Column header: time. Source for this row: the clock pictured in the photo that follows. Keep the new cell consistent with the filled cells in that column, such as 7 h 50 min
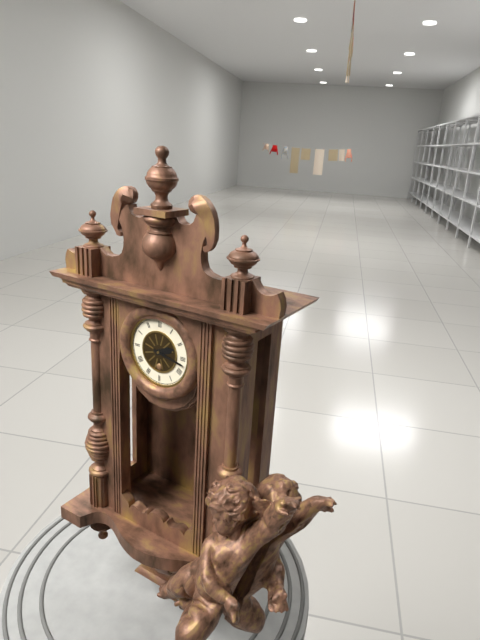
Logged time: 2 h 17 min
